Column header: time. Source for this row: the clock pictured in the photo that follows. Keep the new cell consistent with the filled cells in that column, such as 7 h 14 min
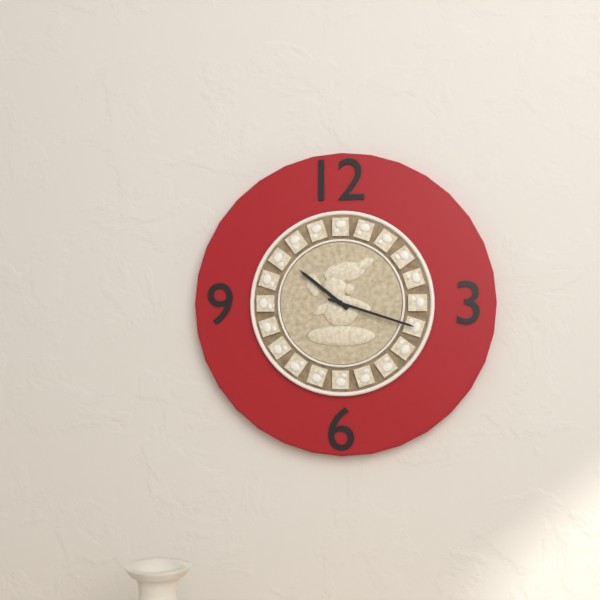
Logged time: 10 h 18 min
